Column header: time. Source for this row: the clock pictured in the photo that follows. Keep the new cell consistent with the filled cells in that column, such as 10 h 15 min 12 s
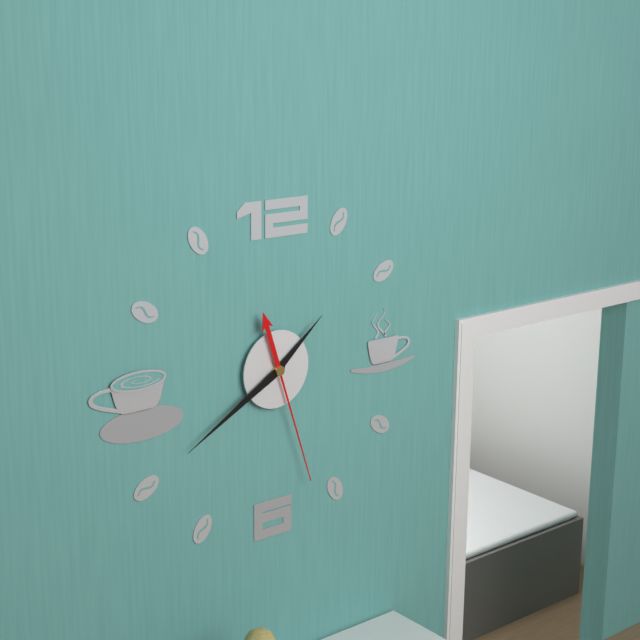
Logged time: 1 h 40 min 27 s
